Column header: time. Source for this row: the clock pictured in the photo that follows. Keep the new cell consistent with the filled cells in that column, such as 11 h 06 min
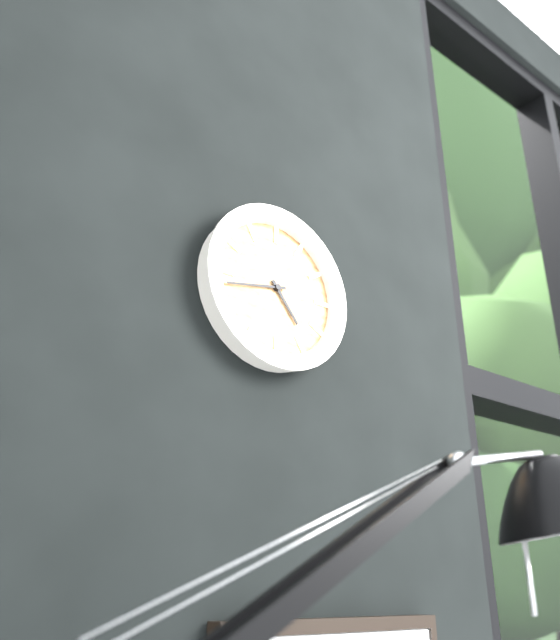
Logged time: 4 h 43 min
